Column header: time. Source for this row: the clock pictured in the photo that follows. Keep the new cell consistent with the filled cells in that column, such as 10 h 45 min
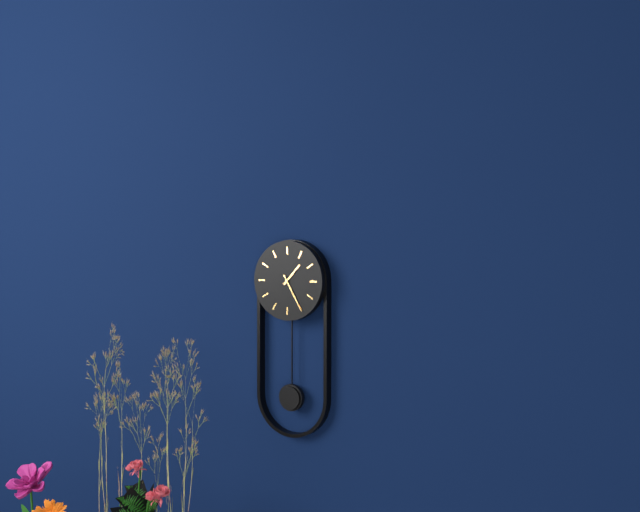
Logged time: 1 h 25 min
